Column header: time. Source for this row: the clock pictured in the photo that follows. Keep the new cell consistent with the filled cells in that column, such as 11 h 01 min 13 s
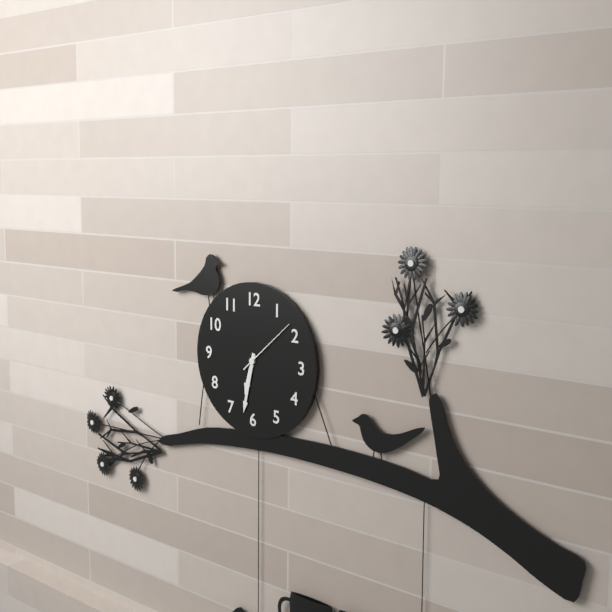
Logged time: 6 h 32 min 08 s
